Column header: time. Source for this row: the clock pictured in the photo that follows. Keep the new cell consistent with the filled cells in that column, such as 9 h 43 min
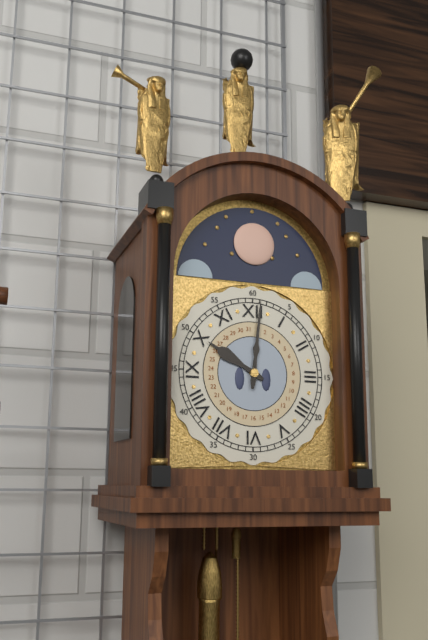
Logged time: 10 h 01 min
